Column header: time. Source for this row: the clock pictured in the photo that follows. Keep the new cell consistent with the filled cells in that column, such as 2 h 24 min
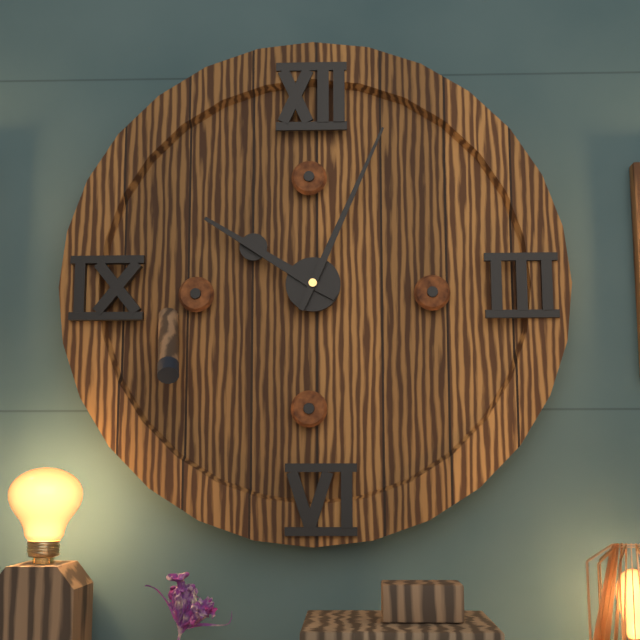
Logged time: 10 h 04 min
